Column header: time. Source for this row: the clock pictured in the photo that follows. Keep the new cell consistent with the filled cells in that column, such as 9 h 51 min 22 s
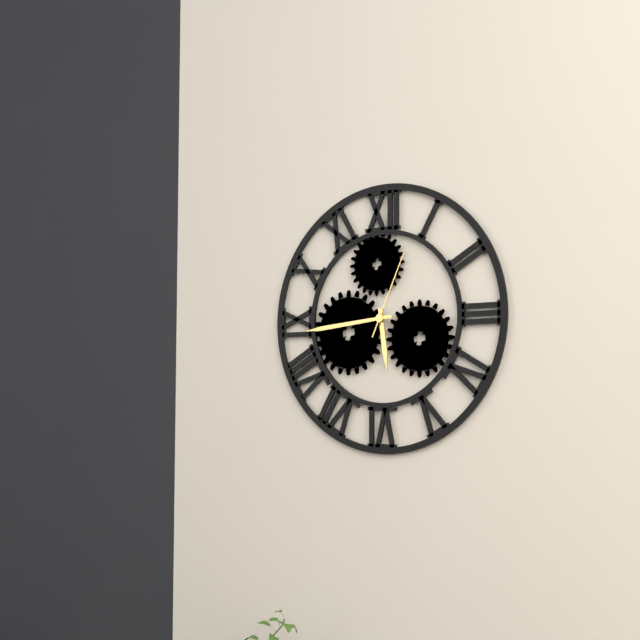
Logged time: 5 h 44 min 04 s
